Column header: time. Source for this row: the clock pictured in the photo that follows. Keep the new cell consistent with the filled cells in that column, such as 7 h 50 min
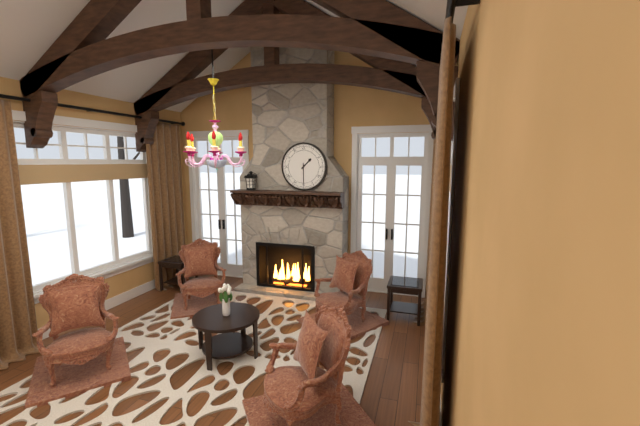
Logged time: 1 h 30 min
